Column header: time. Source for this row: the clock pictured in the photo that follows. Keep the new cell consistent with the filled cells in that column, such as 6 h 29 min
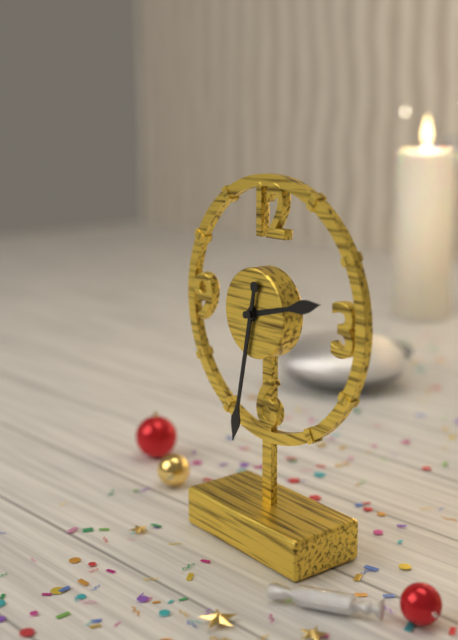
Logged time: 2 h 32 min
